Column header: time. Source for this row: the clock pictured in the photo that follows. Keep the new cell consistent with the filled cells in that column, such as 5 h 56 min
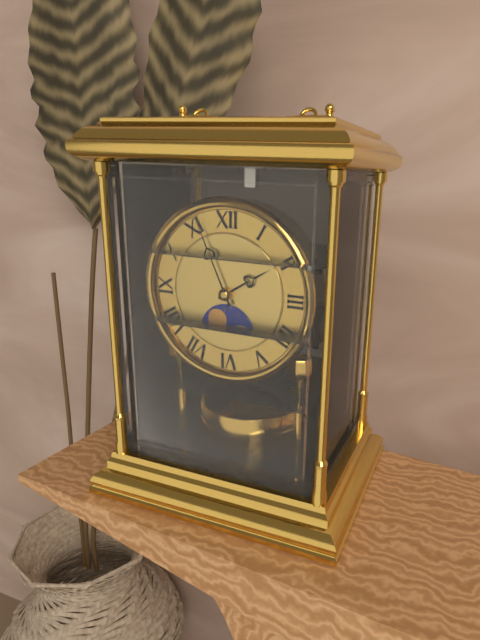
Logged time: 1 h 56 min
